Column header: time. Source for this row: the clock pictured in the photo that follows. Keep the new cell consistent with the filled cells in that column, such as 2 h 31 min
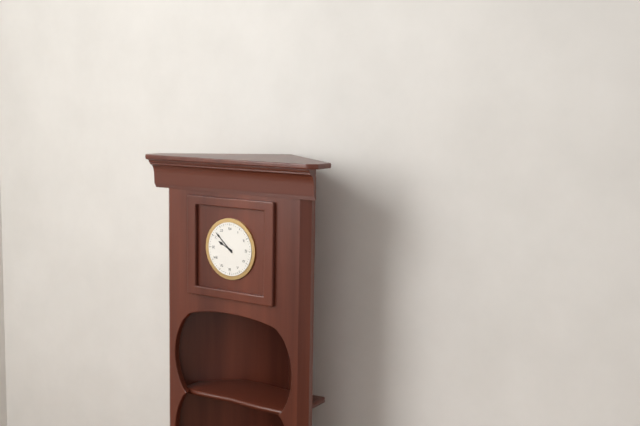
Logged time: 9 h 52 min
